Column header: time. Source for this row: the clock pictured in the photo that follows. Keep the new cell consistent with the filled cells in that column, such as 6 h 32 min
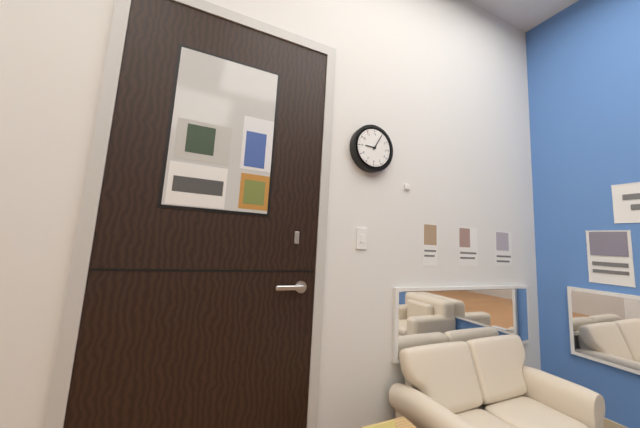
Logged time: 9 h 05 min
